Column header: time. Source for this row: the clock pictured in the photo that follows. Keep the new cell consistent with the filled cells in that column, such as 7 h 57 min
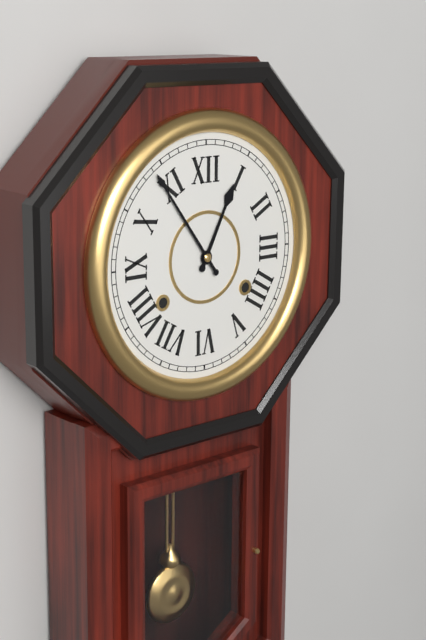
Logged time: 12 h 54 min
